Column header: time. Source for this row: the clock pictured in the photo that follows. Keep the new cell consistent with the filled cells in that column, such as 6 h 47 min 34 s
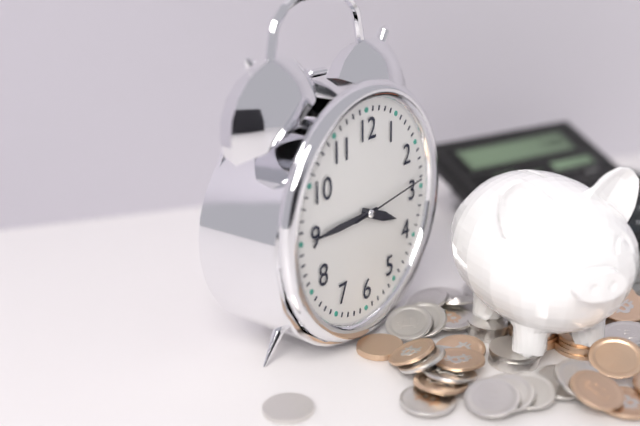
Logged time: 3 h 45 min 14 s
